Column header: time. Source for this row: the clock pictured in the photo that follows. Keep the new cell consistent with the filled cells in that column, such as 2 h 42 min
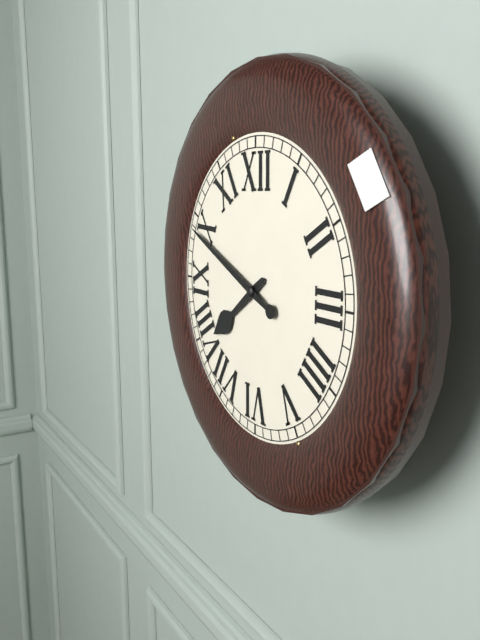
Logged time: 7 h 49 min
